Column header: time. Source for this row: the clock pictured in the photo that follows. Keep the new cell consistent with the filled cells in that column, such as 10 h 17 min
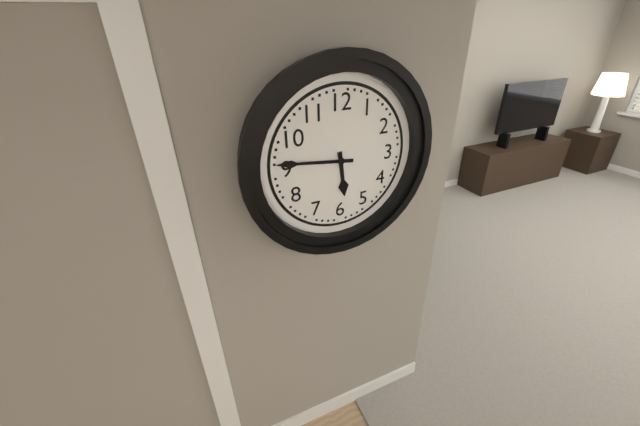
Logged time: 5 h 46 min
